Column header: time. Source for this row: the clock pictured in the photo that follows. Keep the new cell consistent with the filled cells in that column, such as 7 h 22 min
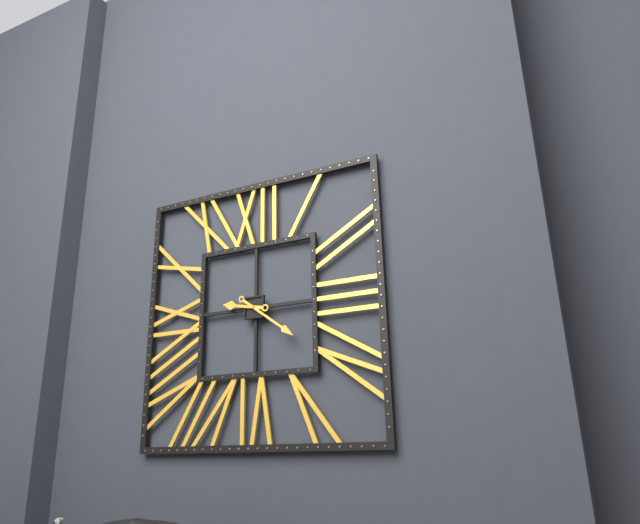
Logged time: 9 h 21 min
